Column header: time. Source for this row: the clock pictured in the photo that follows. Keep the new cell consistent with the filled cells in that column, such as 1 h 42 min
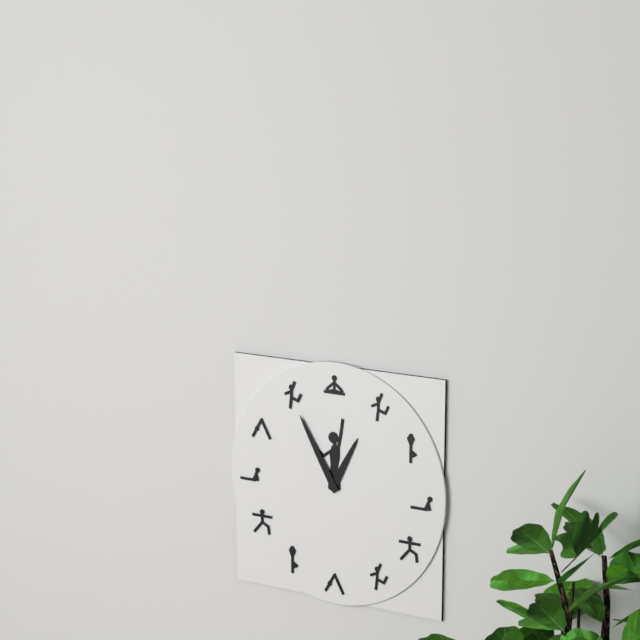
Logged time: 12 h 55 min
